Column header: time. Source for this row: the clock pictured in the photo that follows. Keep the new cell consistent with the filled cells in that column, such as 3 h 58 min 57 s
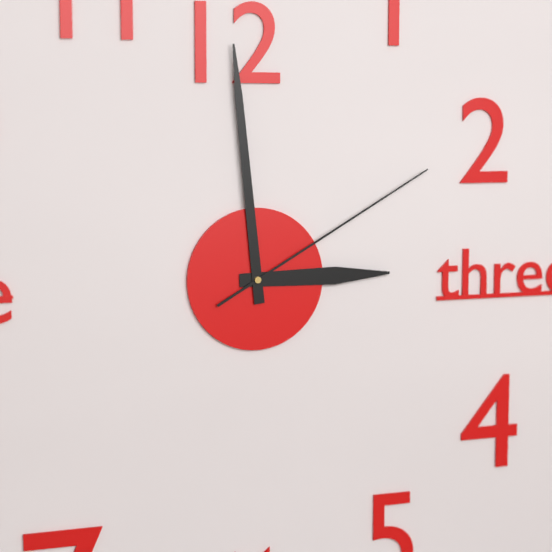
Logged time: 2 h 59 min 10 s
